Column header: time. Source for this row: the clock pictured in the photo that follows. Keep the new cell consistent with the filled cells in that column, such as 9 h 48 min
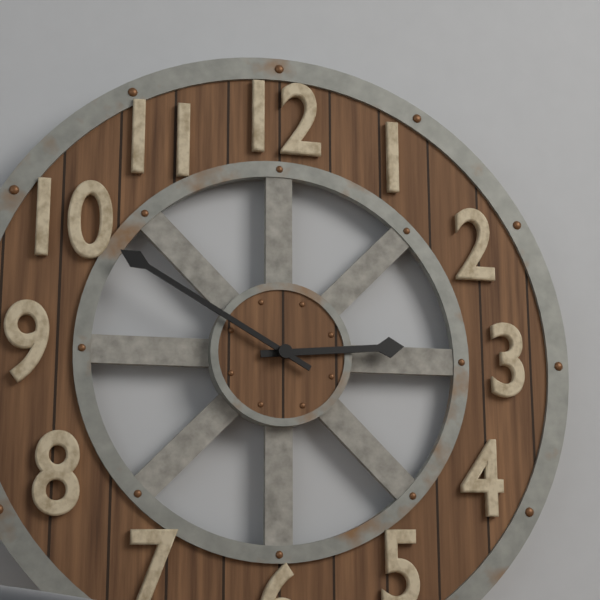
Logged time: 2 h 50 min
